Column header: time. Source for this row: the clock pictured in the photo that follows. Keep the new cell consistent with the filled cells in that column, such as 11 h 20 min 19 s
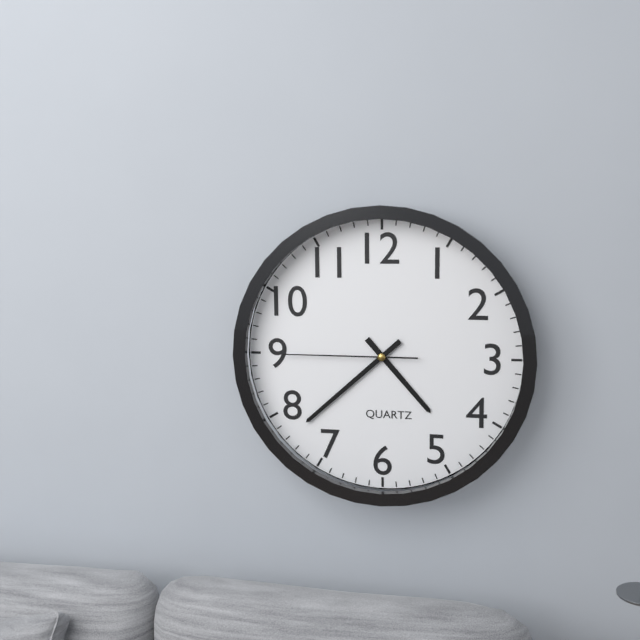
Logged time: 4 h 38 min 45 s
